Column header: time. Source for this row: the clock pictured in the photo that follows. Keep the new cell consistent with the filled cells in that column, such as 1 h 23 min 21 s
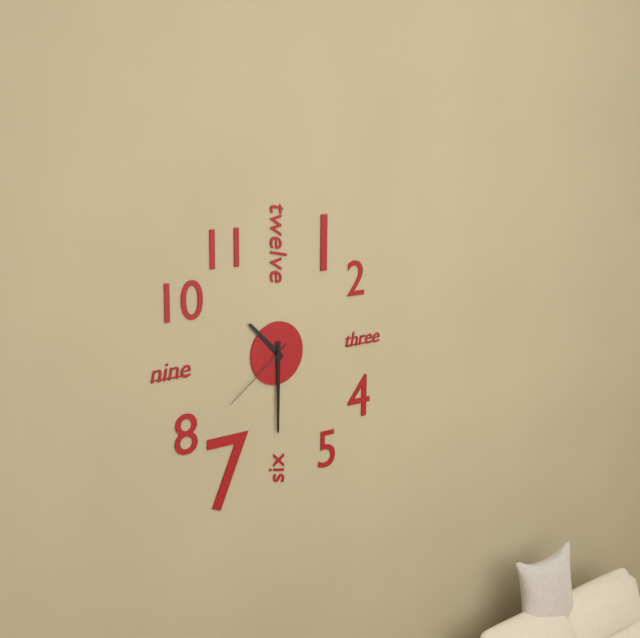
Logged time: 10 h 30 min 39 s
